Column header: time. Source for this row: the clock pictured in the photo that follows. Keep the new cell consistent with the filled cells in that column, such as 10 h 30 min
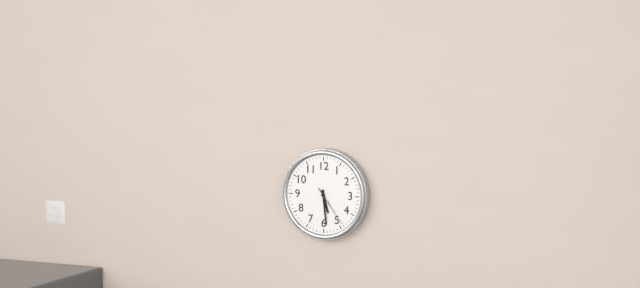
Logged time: 5 h 29 min
